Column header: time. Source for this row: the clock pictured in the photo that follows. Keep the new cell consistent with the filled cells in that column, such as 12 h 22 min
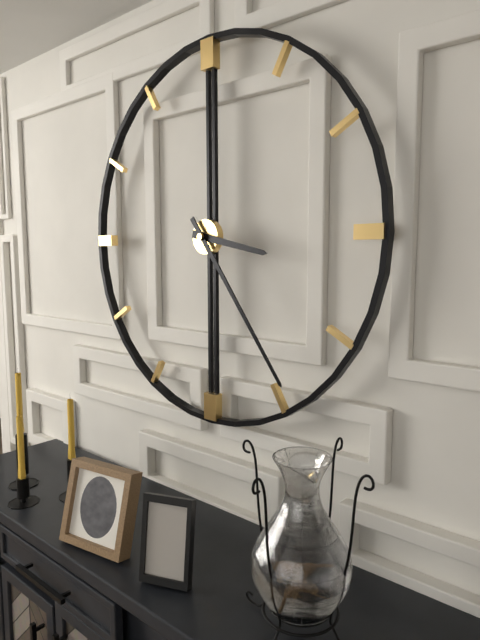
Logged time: 3 h 24 min
